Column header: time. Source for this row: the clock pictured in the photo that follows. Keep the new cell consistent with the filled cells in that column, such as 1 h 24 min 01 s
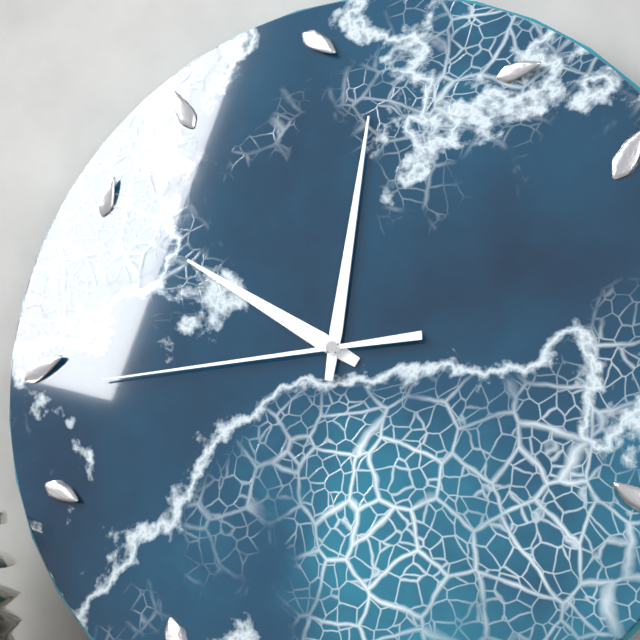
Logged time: 10 h 01 min 44 s
